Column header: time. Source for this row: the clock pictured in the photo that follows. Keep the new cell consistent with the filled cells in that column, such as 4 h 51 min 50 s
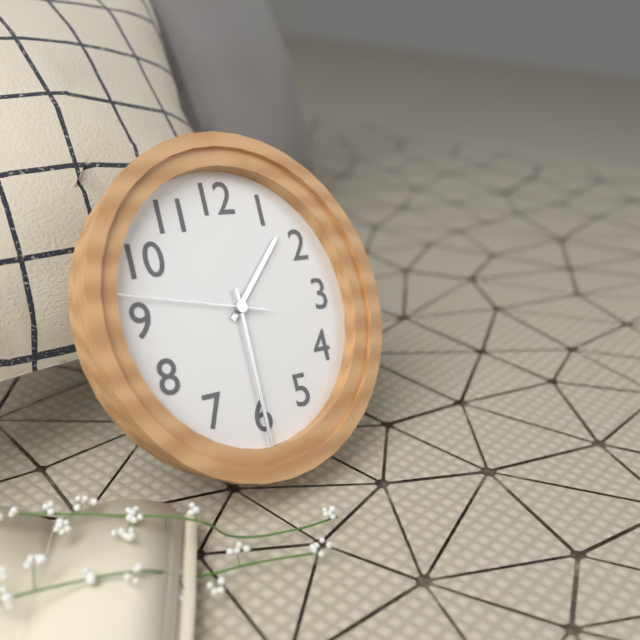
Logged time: 1 h 30 min 47 s
